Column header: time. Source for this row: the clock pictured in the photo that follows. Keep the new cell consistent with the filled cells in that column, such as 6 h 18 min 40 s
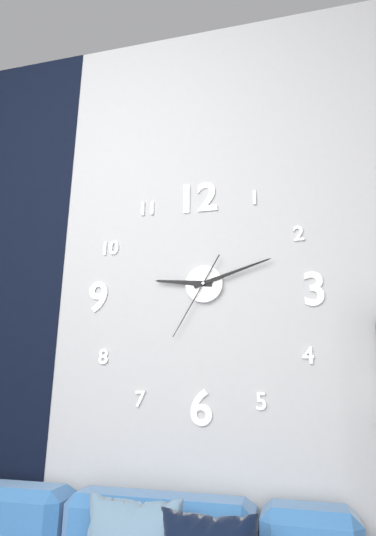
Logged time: 9 h 12 min 35 s
